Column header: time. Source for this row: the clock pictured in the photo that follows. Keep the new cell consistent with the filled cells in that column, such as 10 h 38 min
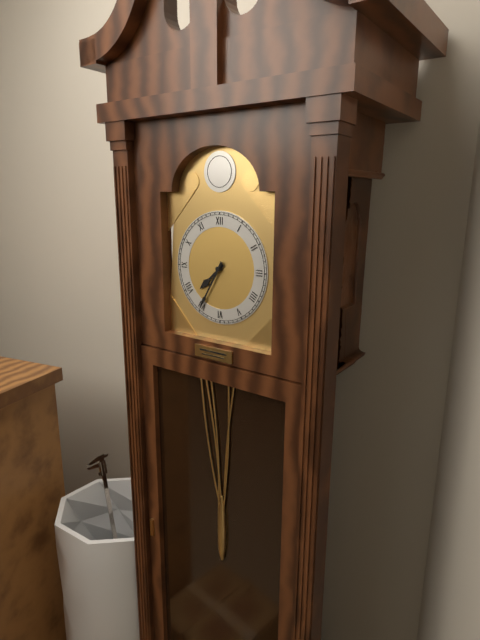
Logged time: 7 h 35 min
